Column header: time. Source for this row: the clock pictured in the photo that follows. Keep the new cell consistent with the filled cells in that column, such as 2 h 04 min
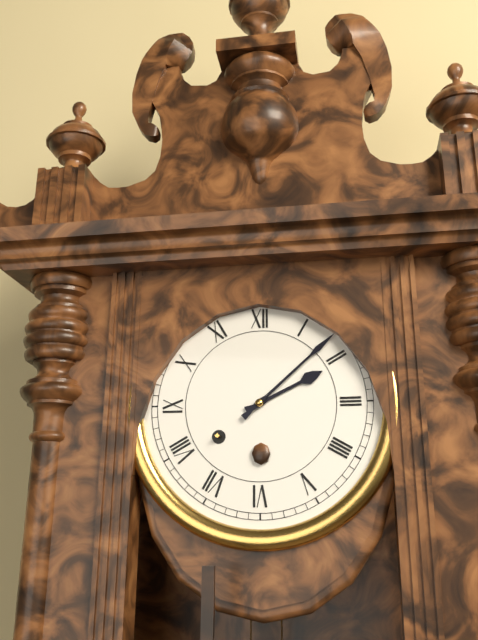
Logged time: 2 h 08 min
